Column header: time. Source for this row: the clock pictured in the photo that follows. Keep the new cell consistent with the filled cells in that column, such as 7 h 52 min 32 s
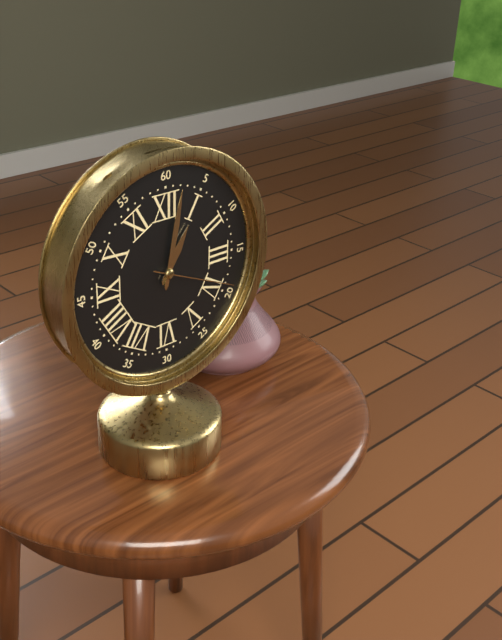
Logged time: 1 h 02 min 19 s
